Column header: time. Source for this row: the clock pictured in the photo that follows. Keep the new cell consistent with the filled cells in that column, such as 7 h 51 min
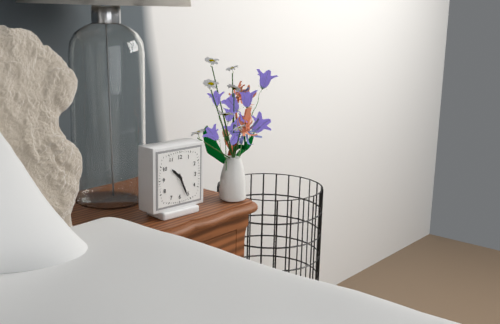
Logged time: 10 h 26 min
